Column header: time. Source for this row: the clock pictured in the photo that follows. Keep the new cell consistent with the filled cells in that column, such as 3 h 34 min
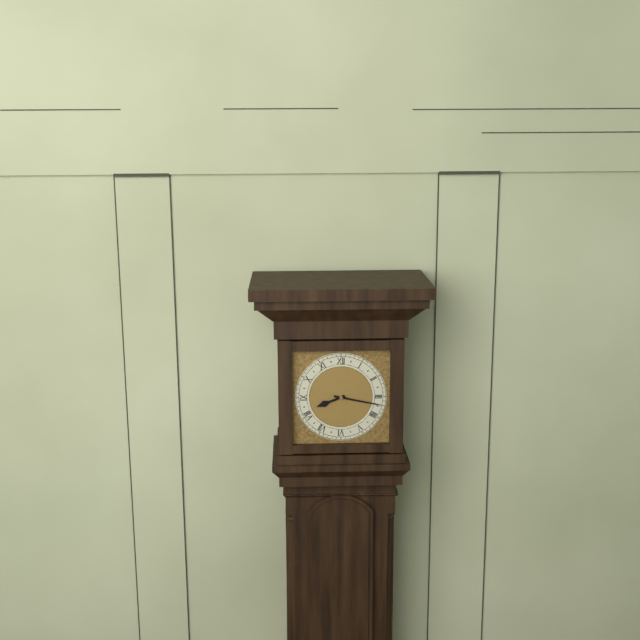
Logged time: 8 h 17 min
